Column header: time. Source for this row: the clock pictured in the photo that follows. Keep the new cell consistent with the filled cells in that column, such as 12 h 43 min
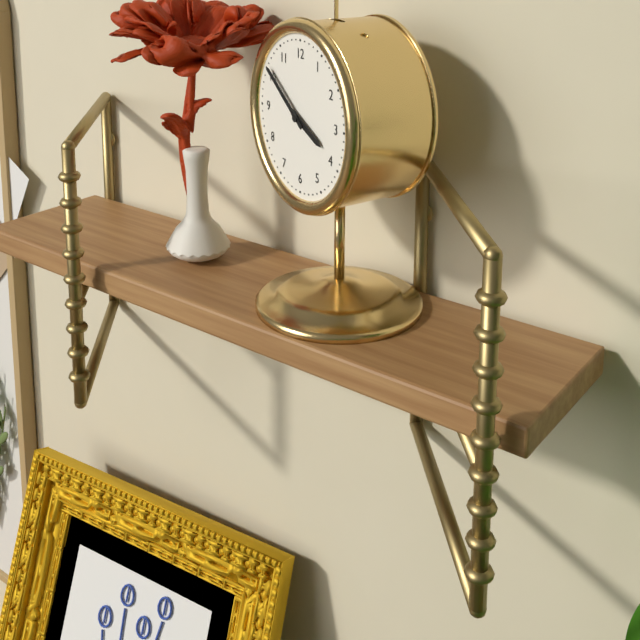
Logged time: 3 h 51 min
